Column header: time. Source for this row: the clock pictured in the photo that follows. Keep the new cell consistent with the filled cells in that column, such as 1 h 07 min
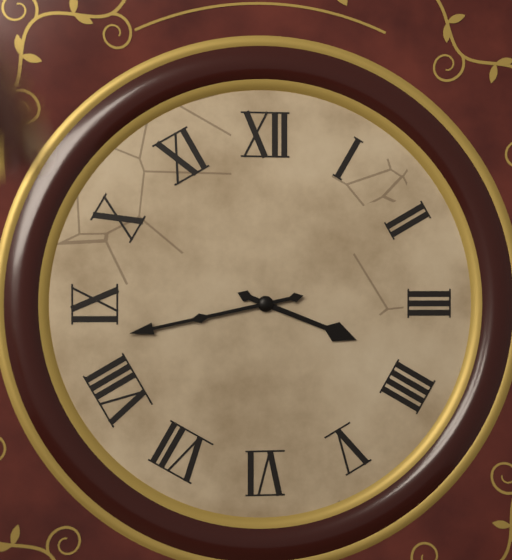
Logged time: 3 h 43 min
